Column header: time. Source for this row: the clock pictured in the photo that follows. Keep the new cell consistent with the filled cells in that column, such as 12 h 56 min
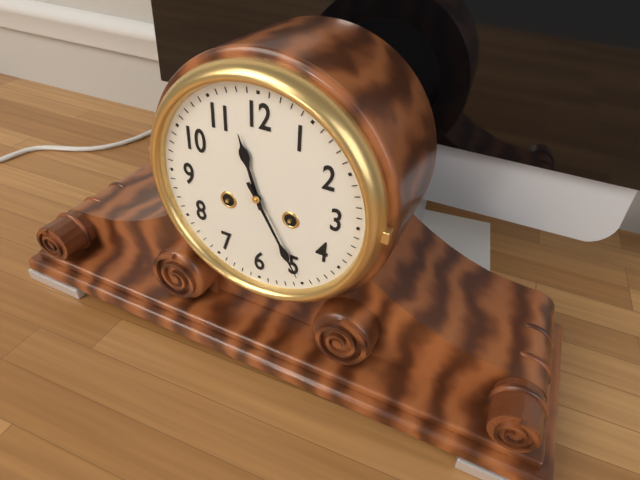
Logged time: 11 h 25 min
